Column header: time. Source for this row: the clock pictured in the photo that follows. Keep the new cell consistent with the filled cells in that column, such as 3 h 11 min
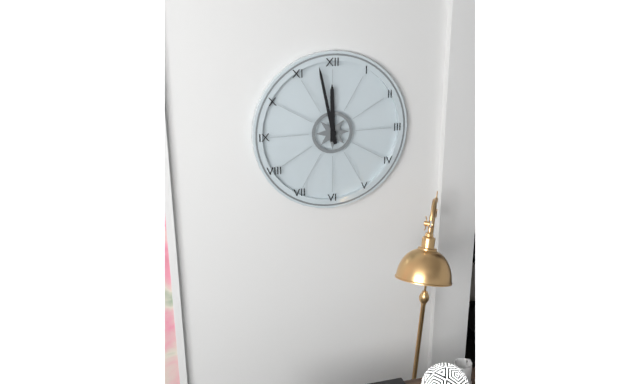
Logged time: 11 h 58 min
